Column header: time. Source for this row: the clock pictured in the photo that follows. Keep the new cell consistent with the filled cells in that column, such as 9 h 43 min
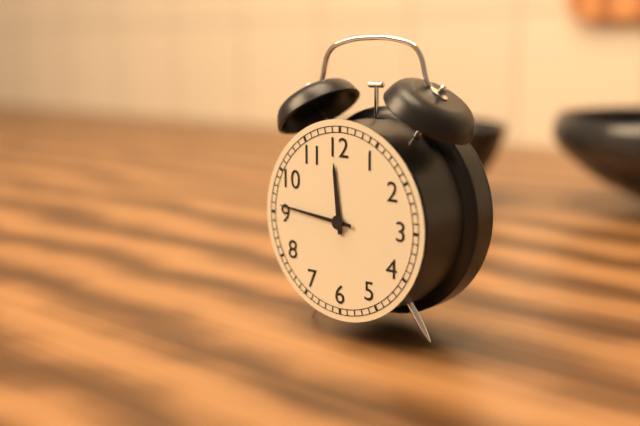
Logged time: 11 h 46 min
